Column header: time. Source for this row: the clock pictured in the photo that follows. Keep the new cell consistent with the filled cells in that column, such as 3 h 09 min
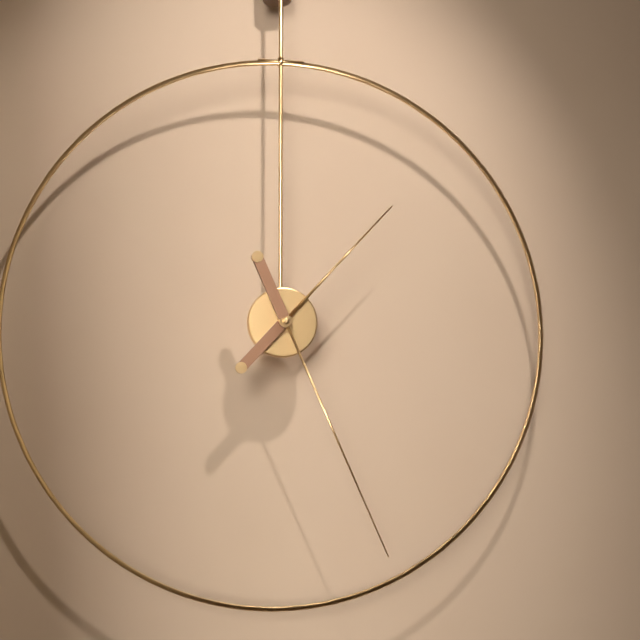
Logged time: 1 h 26 min
